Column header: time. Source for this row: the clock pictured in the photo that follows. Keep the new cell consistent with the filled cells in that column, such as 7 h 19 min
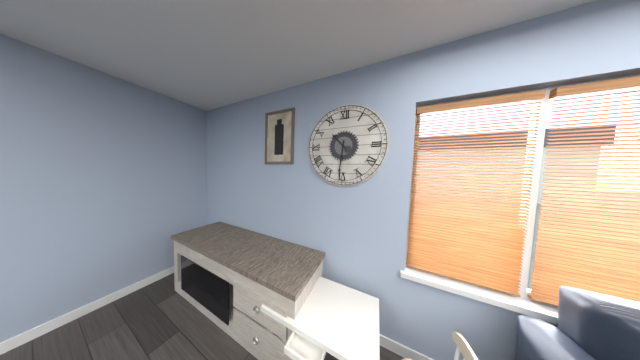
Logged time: 10 h 31 min
